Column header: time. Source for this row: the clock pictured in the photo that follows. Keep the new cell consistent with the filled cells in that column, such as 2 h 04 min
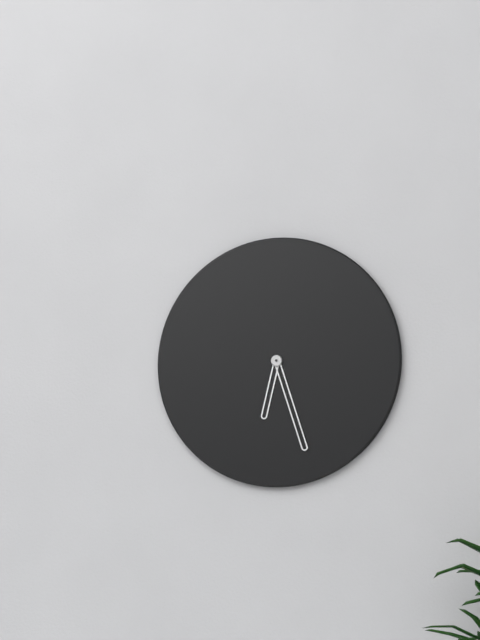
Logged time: 6 h 27 min
